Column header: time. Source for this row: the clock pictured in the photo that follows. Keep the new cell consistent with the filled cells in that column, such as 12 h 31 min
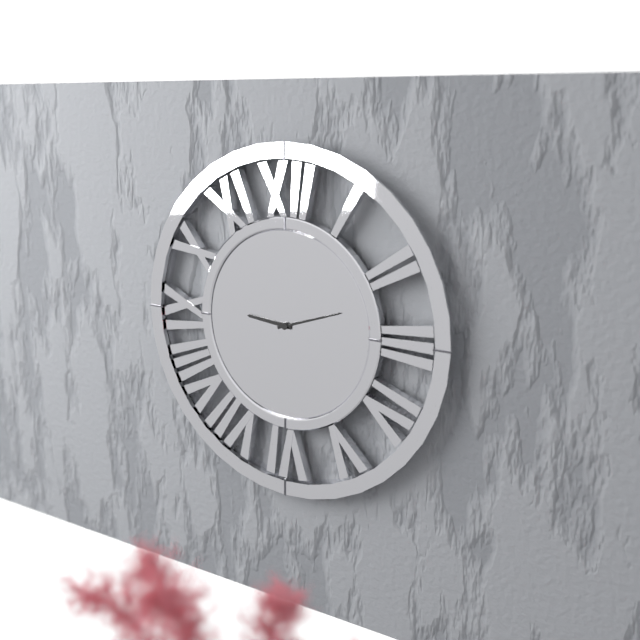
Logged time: 9 h 12 min
